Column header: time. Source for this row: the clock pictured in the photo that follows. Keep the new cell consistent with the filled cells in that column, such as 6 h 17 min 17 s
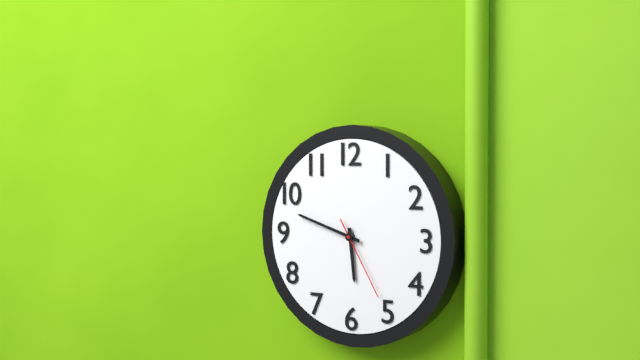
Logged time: 5 h 48 min 25 s
